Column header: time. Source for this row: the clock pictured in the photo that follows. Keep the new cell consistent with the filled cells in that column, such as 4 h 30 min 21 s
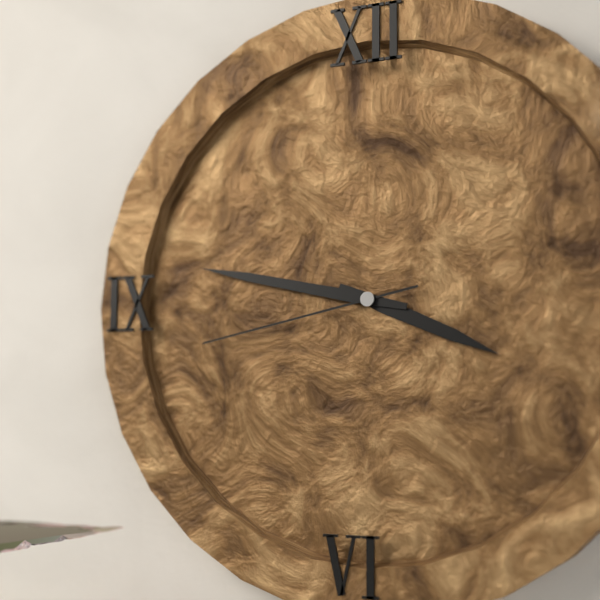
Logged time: 3 h 47 min 43 s
